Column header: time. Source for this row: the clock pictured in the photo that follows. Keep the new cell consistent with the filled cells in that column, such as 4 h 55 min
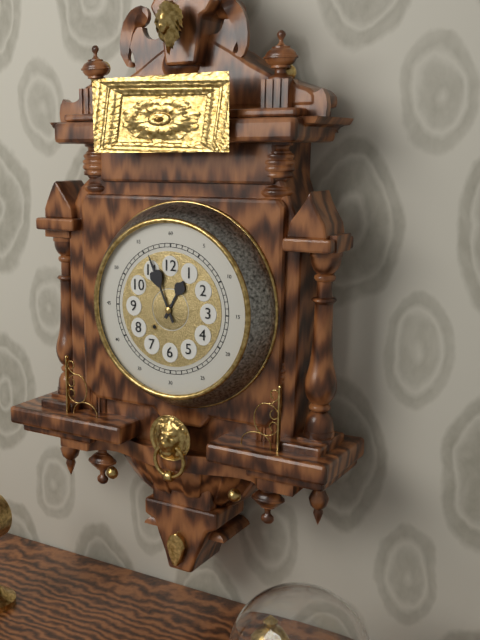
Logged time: 12 h 56 min
